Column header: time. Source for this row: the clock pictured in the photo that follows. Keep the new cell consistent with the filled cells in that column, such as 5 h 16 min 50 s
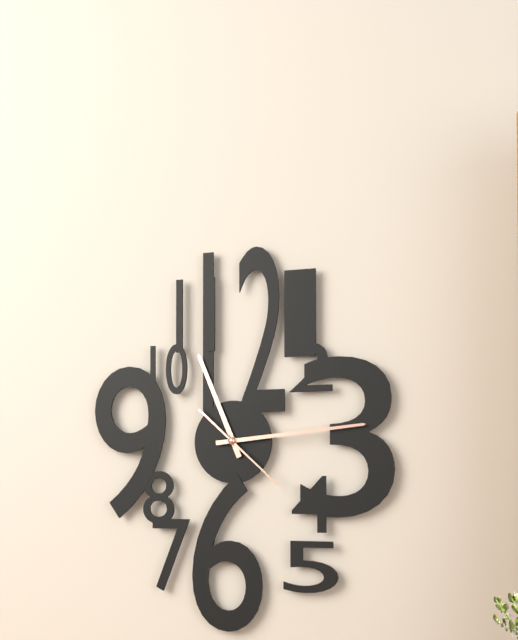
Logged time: 11 h 14 min 22 s
